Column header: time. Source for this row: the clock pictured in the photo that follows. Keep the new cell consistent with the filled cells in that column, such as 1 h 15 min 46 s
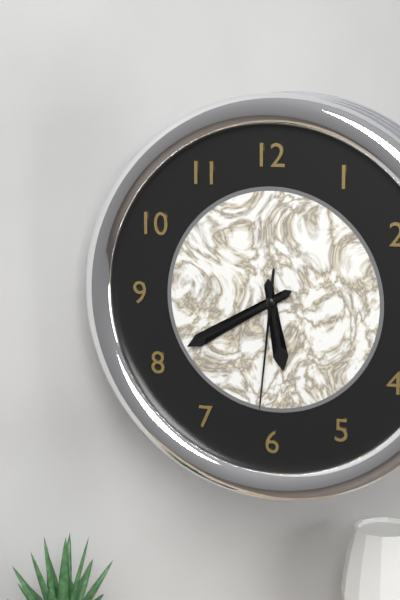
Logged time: 5 h 40 min 31 s
